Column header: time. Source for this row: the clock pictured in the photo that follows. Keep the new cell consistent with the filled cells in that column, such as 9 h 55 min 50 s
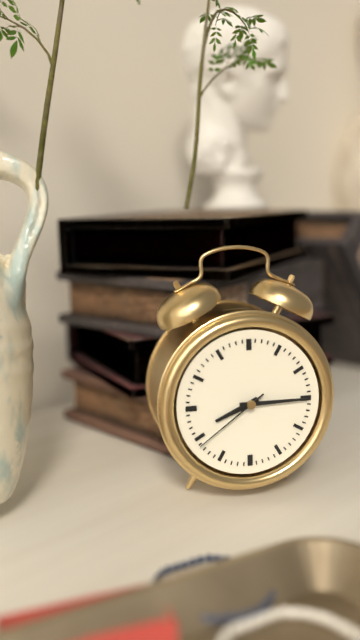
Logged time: 8 h 15 min 39 s
